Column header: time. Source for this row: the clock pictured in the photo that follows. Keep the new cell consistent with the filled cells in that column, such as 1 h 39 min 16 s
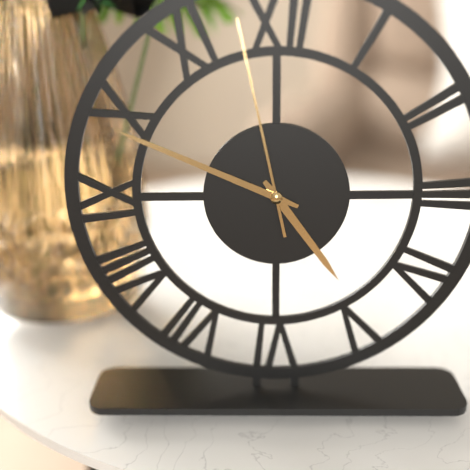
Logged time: 4 h 49 min 58 s
